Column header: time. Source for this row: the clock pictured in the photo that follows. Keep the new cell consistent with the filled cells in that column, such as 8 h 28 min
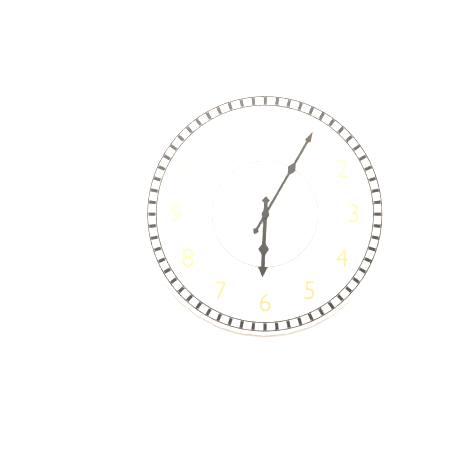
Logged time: 6 h 05 min
